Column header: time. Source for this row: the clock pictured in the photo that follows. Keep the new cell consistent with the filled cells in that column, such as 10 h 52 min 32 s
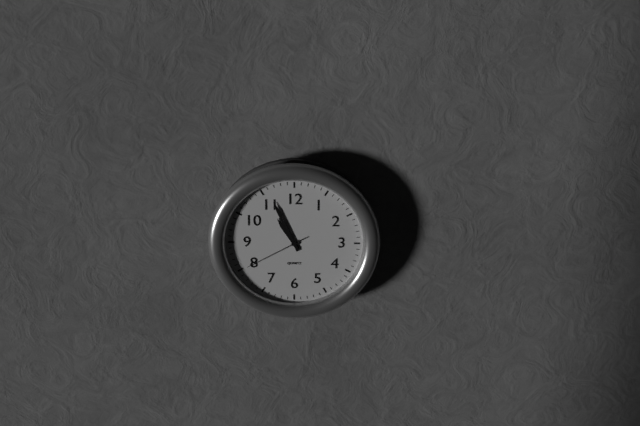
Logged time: 10 h 56 min 40 s
